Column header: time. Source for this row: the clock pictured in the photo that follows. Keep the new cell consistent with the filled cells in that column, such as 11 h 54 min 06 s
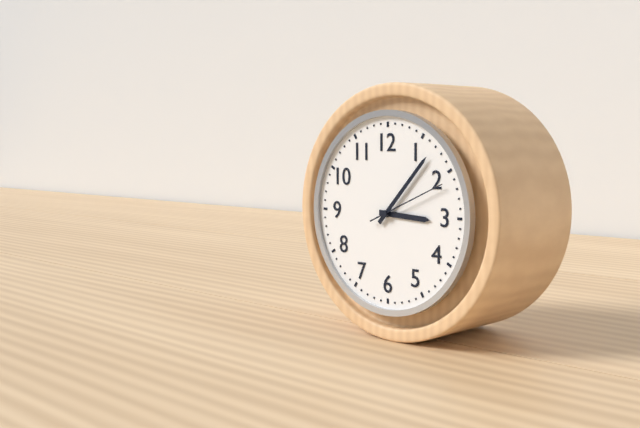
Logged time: 3 h 07 min 11 s
